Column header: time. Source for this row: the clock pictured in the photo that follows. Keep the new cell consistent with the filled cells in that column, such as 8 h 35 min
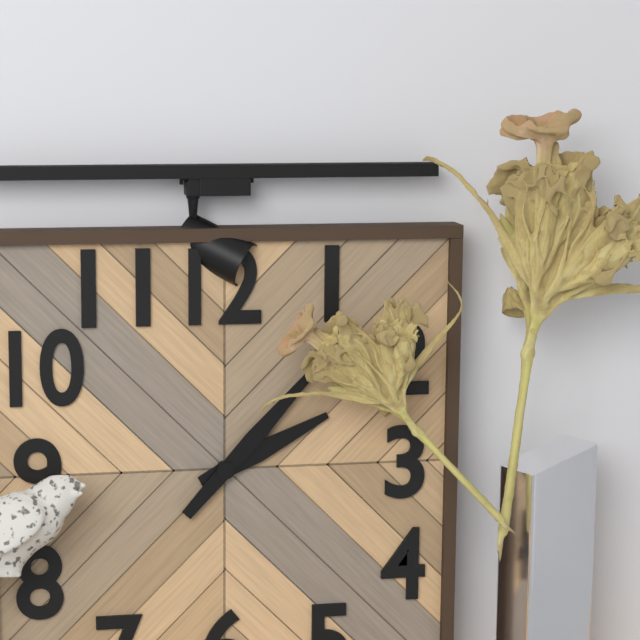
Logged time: 2 h 07 min
